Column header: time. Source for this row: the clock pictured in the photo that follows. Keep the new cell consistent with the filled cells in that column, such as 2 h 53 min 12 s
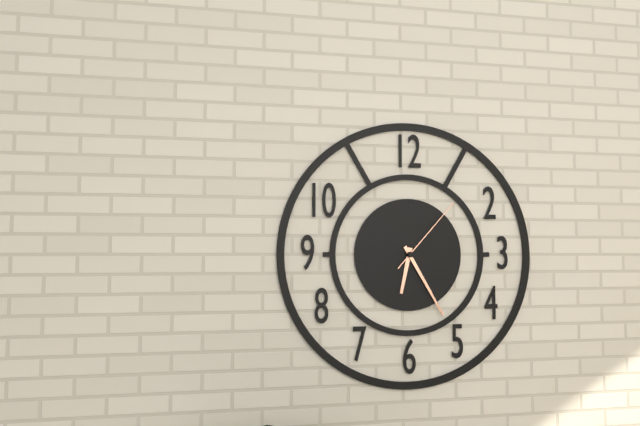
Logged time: 6 h 25 min 07 s
